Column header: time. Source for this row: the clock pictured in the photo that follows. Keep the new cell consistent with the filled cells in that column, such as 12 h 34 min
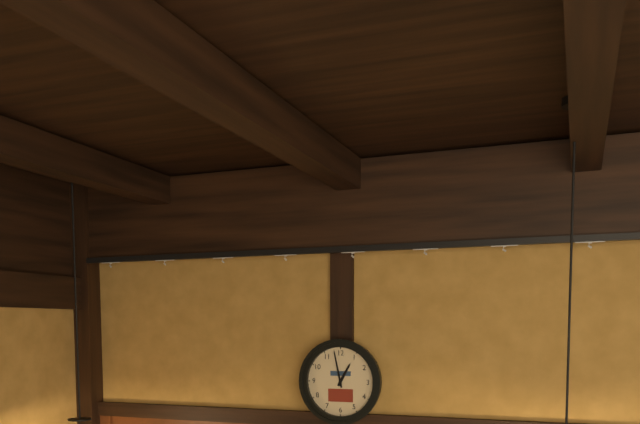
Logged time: 12 h 58 min
